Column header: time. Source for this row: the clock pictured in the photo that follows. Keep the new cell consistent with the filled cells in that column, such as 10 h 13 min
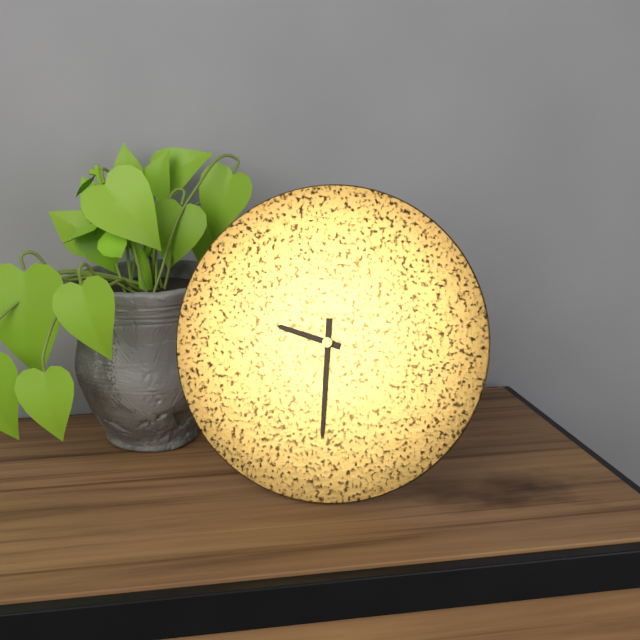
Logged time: 9 h 30 min
